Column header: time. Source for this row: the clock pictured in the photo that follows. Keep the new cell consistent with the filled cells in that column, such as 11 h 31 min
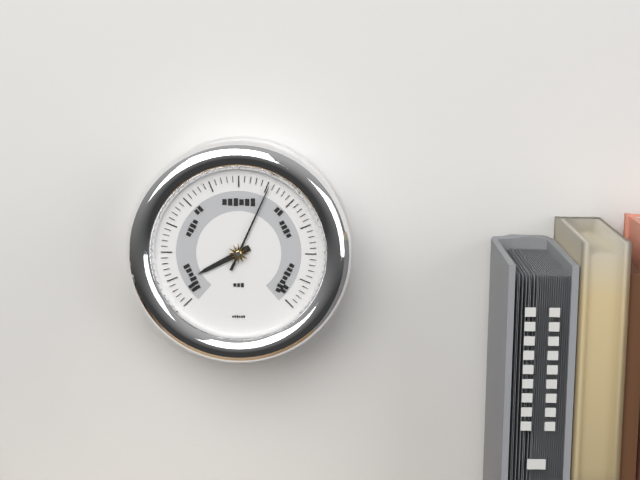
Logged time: 8 h 04 min
